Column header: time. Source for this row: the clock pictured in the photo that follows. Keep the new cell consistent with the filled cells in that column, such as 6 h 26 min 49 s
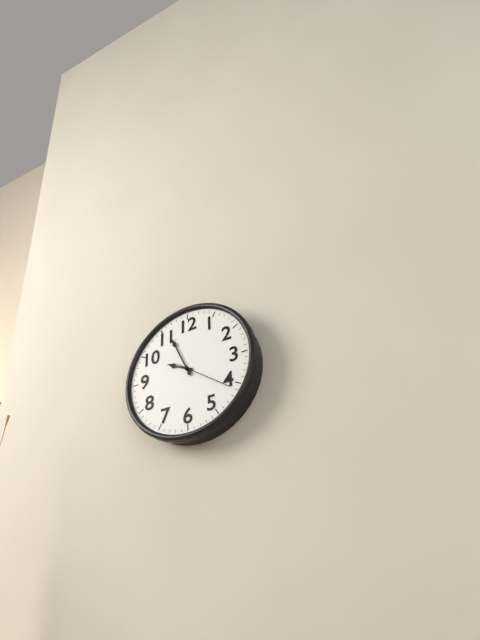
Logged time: 9 h 56 min 21 s
